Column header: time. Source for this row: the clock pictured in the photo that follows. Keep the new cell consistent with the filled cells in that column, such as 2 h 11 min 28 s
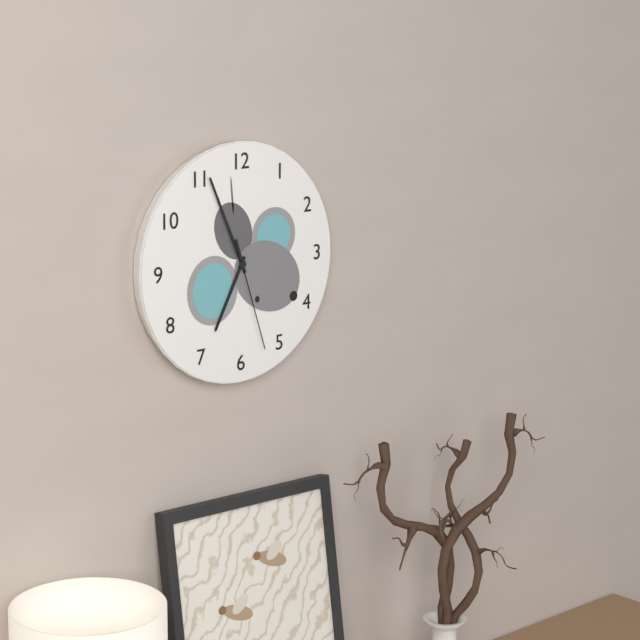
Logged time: 6 h 56 min 27 s
